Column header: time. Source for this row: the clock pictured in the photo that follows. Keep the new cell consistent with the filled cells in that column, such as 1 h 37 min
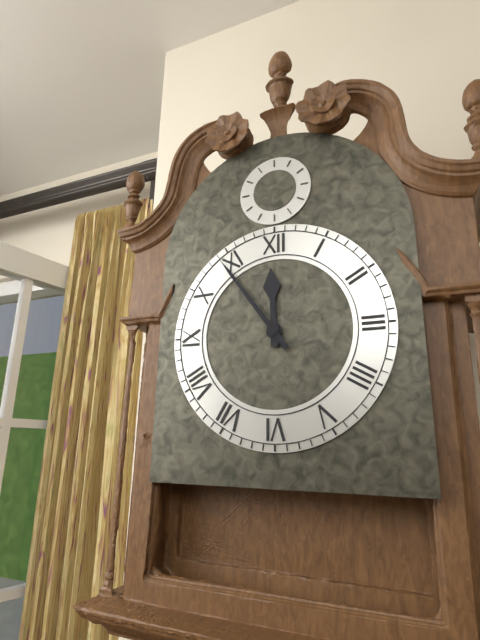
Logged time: 11 h 54 min
